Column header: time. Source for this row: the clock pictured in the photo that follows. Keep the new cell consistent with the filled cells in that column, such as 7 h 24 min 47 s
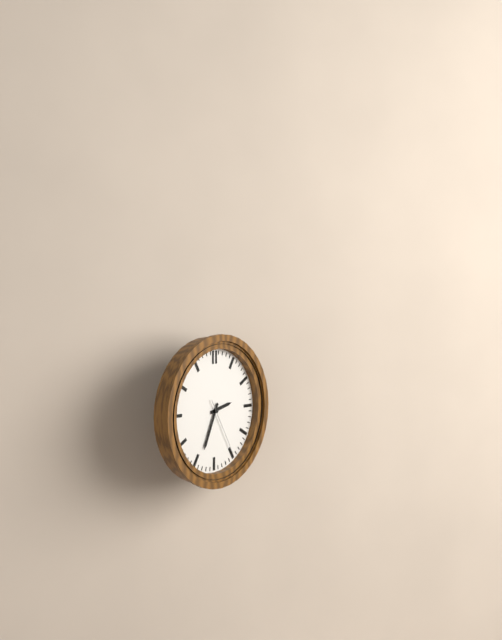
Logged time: 2 h 34 min 25 s
